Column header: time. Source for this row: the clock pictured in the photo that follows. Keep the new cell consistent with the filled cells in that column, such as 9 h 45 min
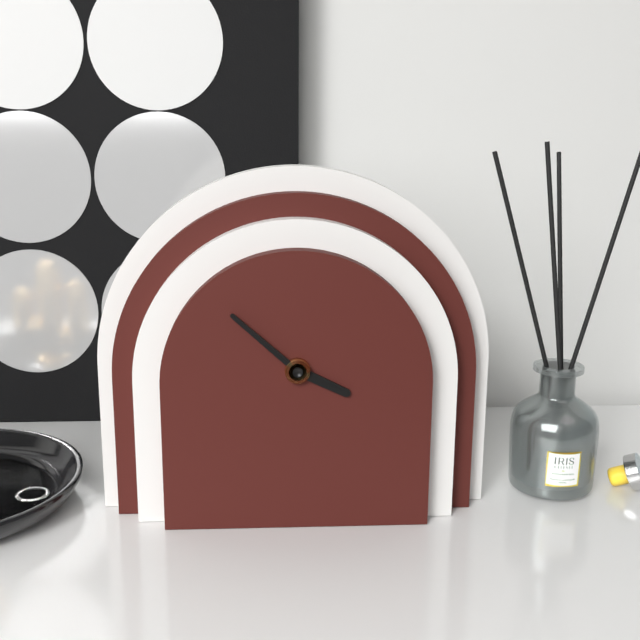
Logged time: 3 h 52 min
